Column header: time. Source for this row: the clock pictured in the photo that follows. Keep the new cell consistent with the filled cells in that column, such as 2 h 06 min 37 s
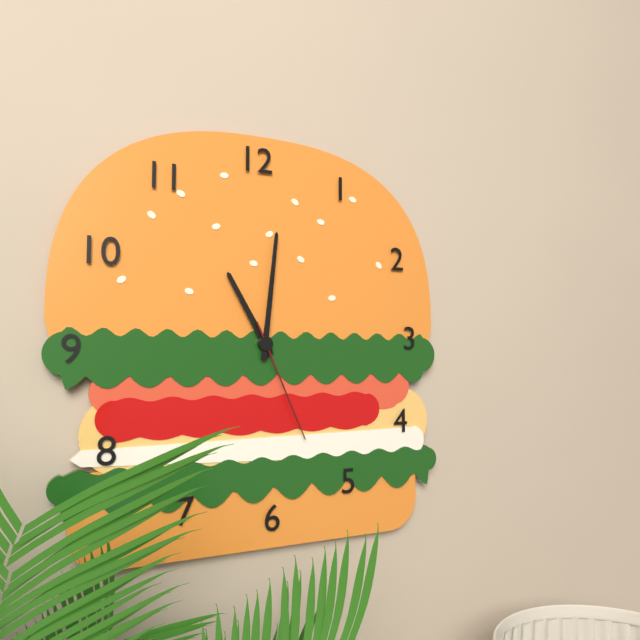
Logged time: 11 h 01 min 26 s
